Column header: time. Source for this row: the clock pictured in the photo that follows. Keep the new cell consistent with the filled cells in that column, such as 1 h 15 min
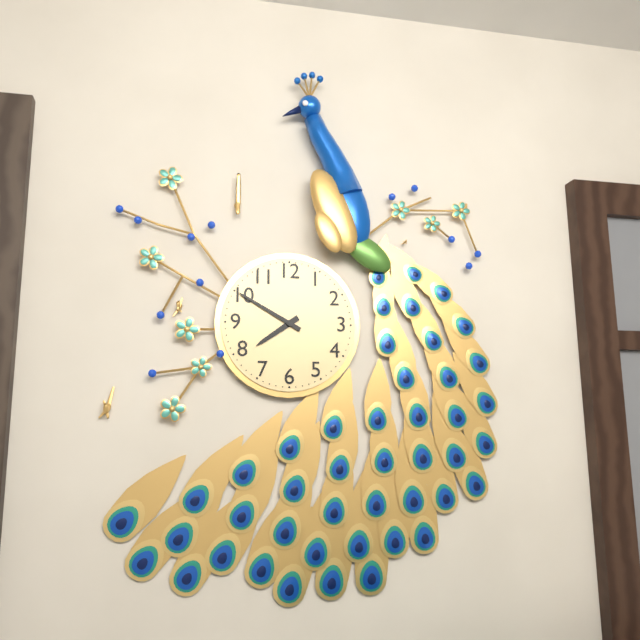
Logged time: 7 h 50 min
